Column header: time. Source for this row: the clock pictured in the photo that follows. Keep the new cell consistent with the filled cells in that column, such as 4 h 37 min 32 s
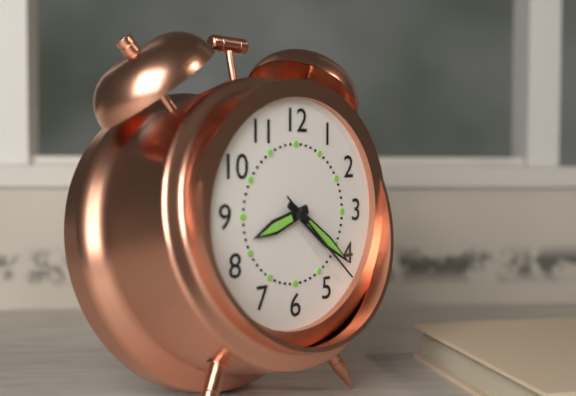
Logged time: 8 h 21 min 22 s
